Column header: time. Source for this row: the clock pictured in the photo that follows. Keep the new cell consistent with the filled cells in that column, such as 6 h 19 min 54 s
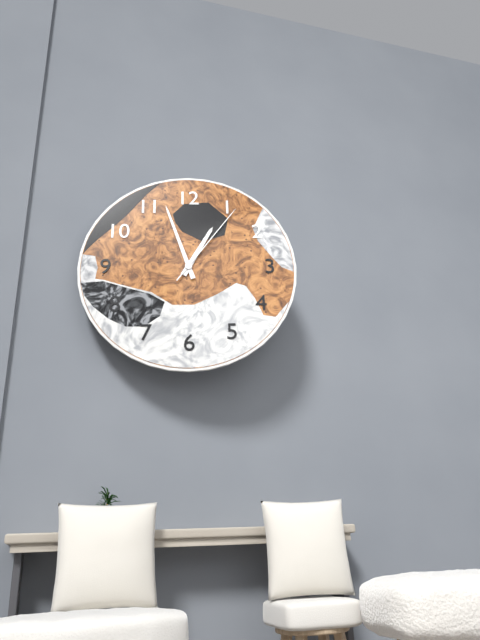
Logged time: 12 h 57 min 06 s
